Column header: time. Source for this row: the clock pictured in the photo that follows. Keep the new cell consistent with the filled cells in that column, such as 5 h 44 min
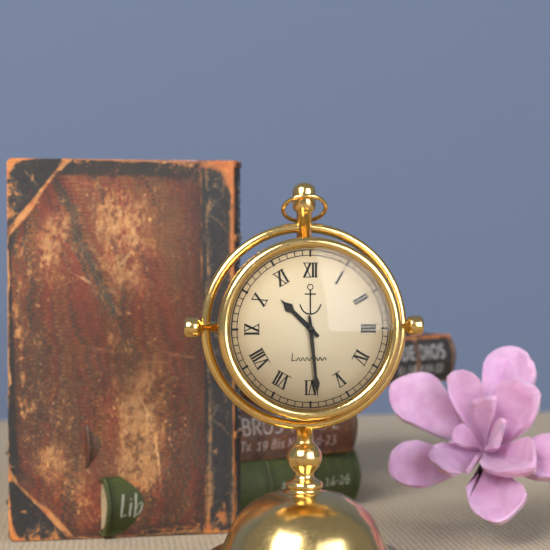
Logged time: 10 h 29 min
